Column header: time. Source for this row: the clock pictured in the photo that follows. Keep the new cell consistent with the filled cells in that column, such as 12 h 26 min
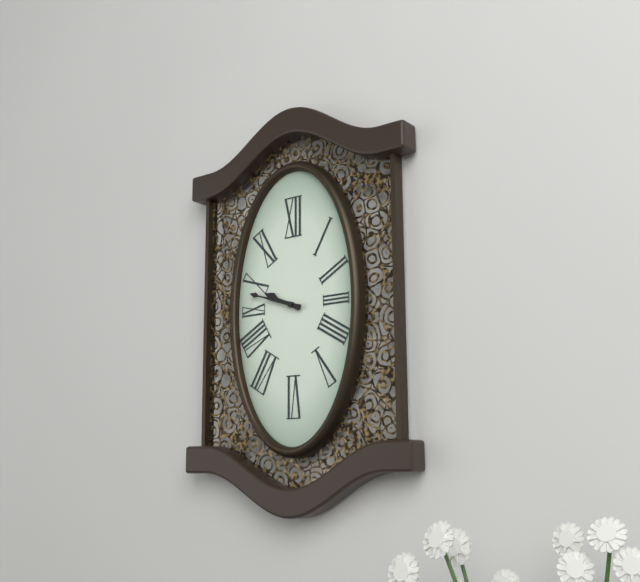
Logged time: 9 h 48 min
